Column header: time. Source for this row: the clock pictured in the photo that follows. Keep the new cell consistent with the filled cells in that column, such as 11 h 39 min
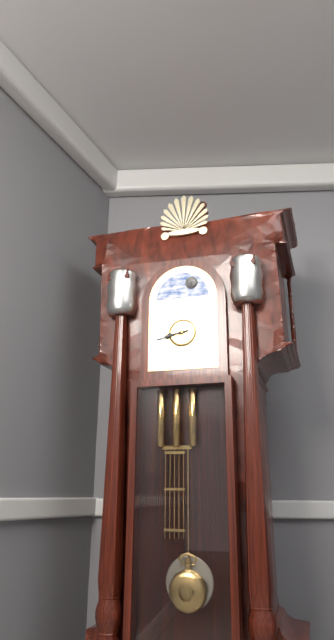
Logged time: 8 h 43 min
